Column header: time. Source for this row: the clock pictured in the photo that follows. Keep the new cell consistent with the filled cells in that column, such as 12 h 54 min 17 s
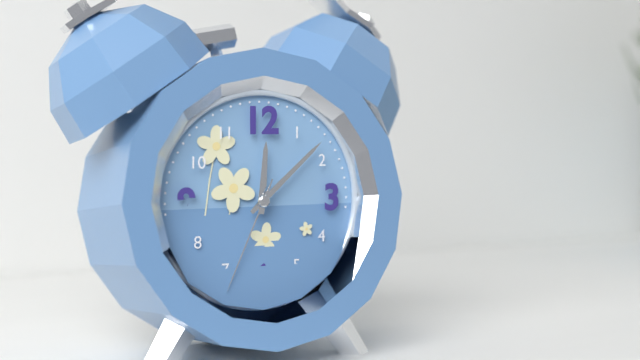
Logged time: 12 h 08 min 34 s
